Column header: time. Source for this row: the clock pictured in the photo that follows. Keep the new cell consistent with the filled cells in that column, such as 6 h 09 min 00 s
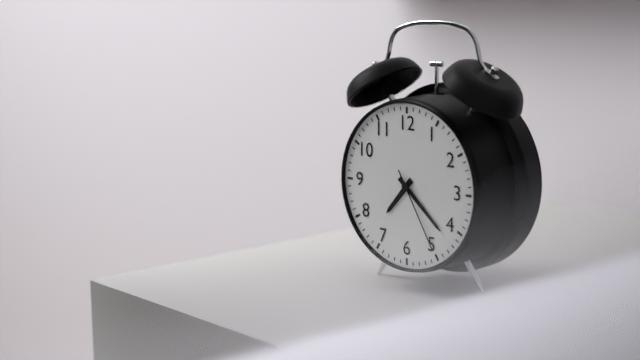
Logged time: 7 h 22 min 25 s
